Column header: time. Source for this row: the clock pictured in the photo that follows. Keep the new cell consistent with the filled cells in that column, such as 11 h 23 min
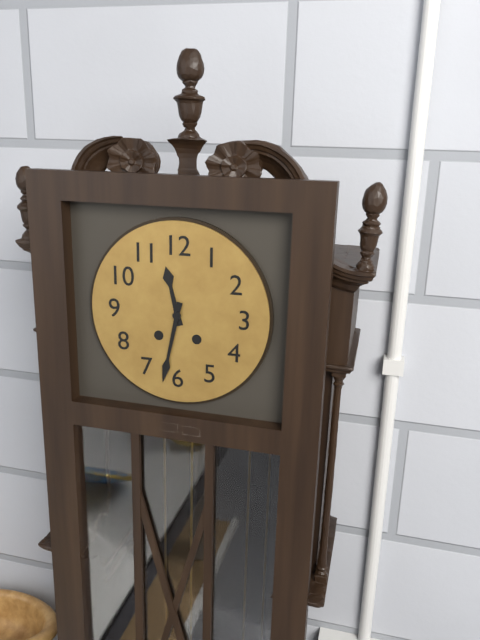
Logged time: 11 h 32 min
